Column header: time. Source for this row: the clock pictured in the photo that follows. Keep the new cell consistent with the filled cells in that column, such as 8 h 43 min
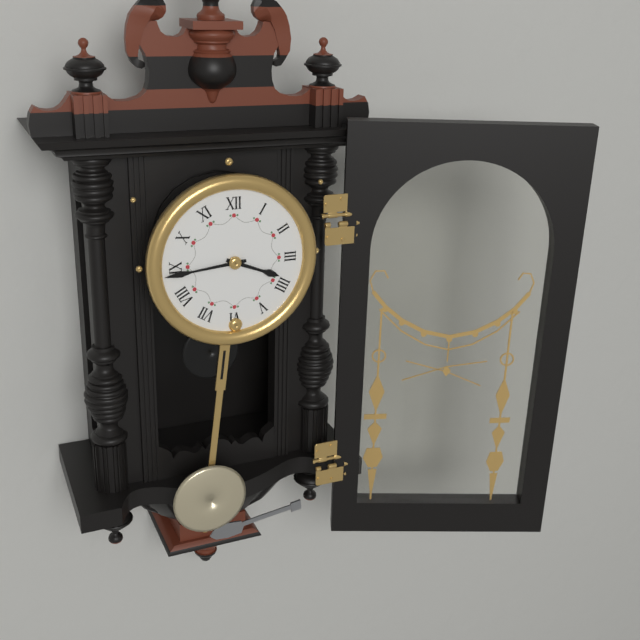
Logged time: 3 h 44 min
